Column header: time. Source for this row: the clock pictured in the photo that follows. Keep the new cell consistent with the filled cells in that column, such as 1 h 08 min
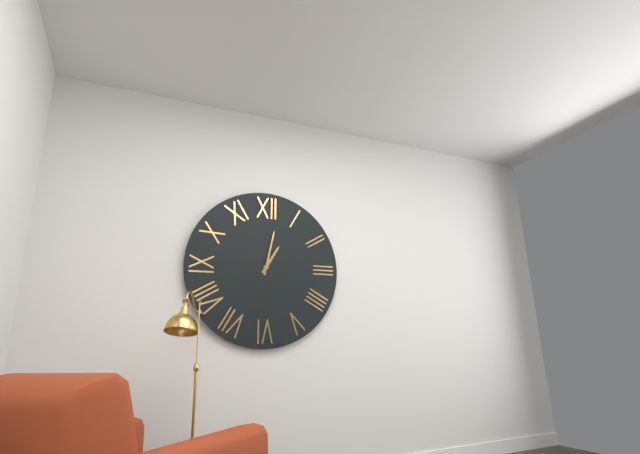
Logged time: 1 h 02 min
